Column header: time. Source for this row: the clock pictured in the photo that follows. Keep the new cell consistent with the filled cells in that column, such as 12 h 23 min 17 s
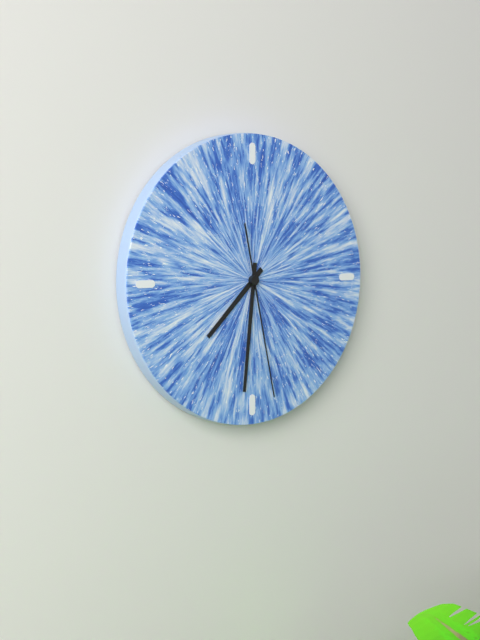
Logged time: 7 h 31 min 28 s
